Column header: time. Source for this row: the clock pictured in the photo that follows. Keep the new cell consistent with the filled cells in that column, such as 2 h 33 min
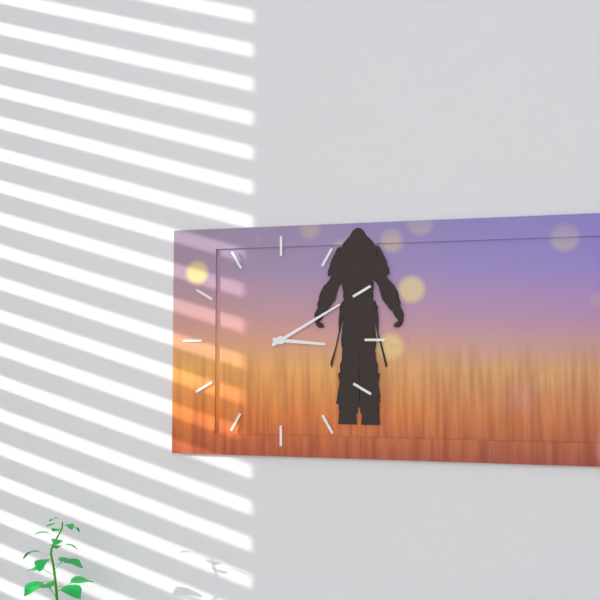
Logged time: 3 h 10 min
